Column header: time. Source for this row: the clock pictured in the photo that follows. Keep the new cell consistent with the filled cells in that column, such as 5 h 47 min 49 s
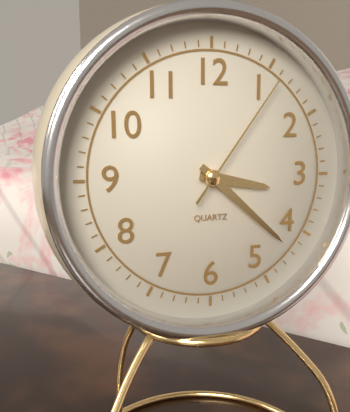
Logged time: 3 h 22 min 06 s
